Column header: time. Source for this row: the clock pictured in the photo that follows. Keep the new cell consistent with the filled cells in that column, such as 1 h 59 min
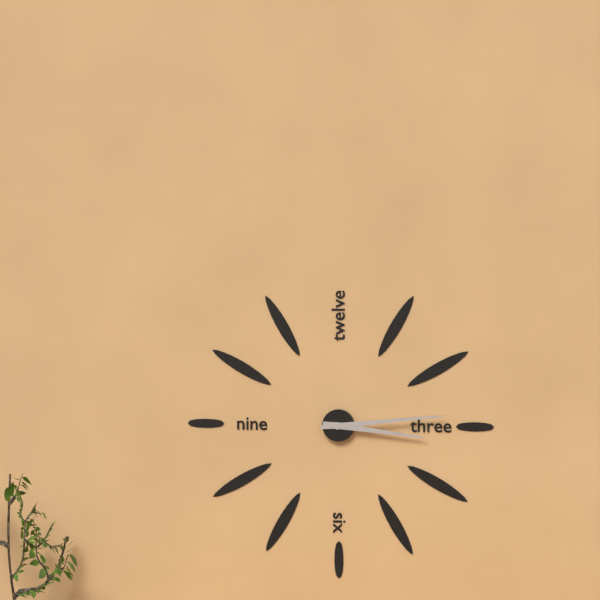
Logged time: 3 h 14 min
